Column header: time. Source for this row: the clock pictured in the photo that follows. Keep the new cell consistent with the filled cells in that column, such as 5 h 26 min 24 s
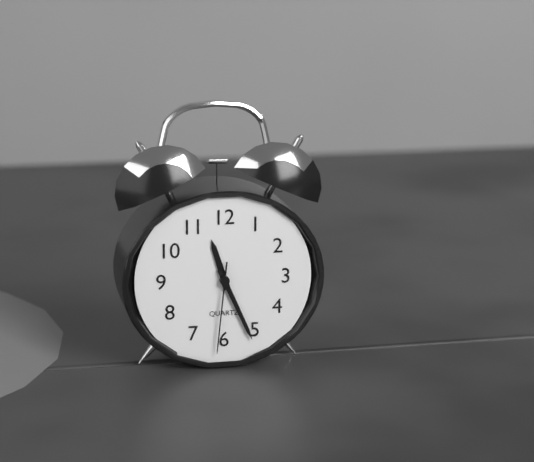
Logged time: 11 h 26 min 31 s
